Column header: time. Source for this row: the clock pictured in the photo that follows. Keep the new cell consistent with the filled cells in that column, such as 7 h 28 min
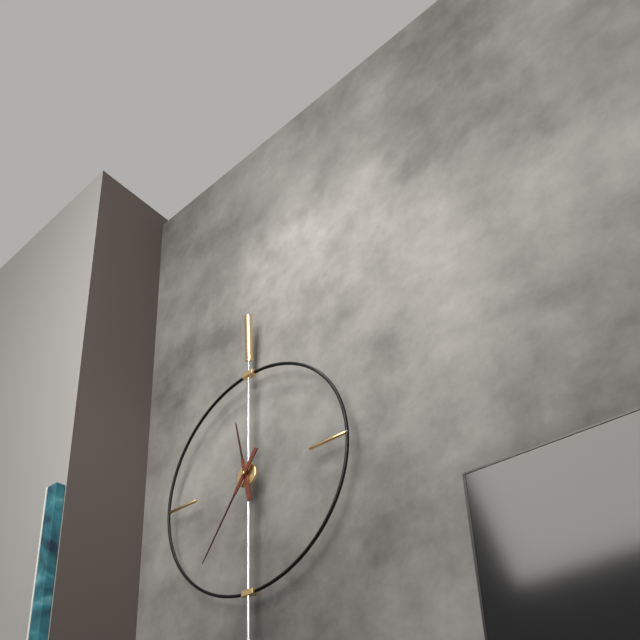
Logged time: 11 h 36 min
